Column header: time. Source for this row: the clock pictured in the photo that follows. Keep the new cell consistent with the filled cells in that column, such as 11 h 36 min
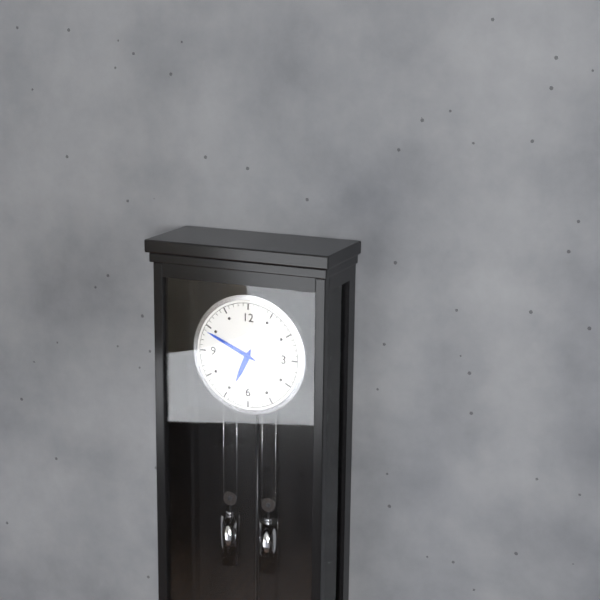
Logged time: 6 h 49 min
